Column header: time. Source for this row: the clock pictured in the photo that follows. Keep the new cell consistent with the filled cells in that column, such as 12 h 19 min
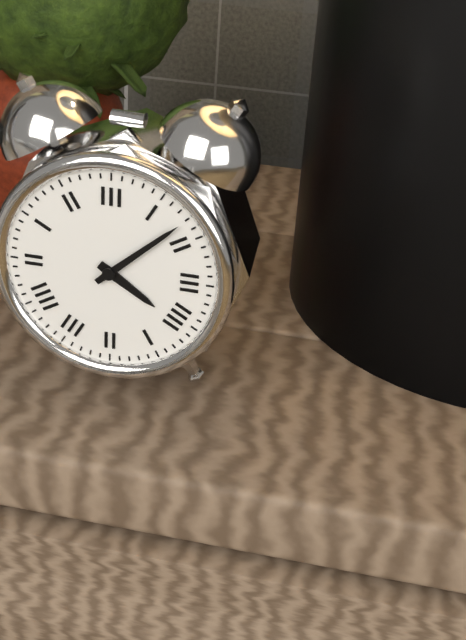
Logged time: 4 h 08 min
